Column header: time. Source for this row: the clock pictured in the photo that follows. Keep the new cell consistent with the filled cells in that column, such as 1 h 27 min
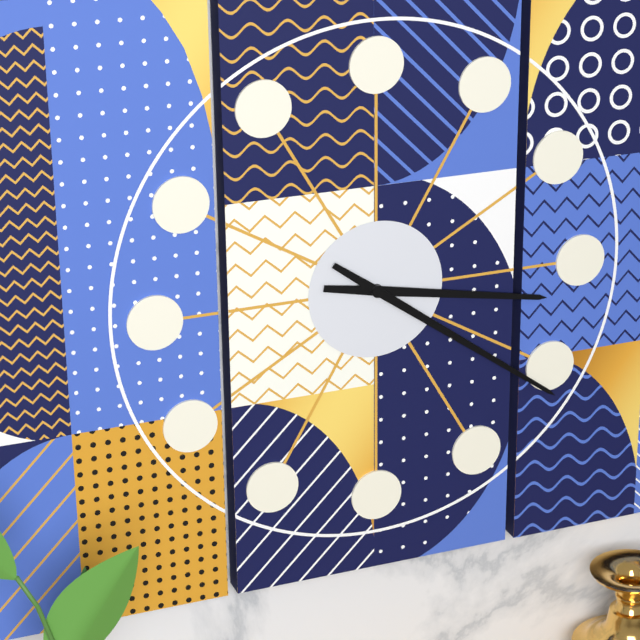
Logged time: 3 h 21 min
